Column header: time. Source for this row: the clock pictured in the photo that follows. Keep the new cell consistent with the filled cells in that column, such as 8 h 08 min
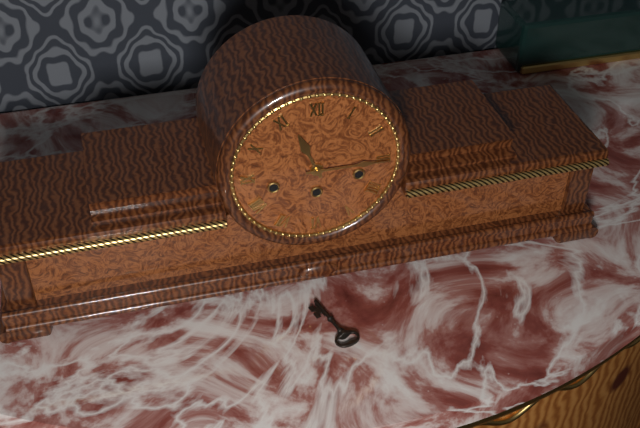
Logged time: 11 h 15 min
